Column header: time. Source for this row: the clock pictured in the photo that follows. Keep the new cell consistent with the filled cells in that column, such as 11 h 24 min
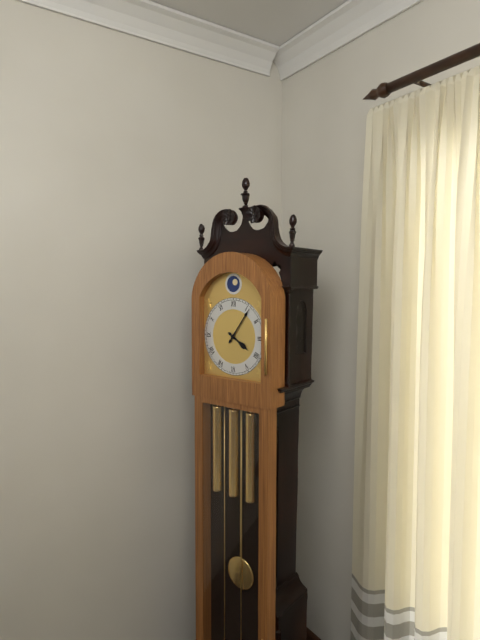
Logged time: 4 h 06 min
